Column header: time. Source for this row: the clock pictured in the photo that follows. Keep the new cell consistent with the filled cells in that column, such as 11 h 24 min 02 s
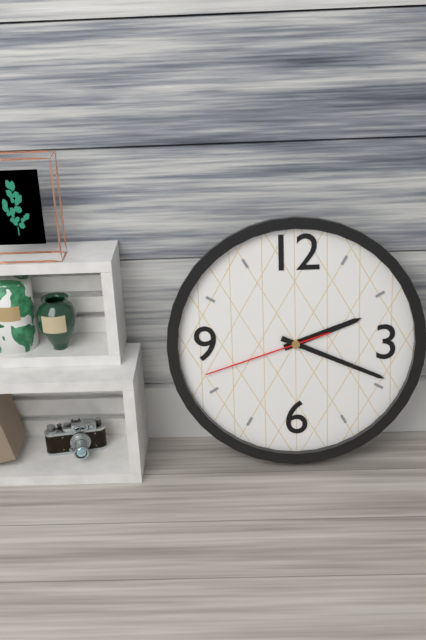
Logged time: 2 h 19 min 42 s
